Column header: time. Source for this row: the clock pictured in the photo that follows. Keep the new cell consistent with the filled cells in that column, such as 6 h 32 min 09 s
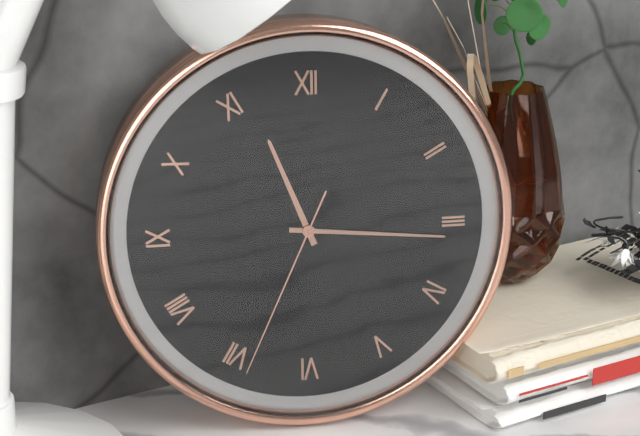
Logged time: 11 h 16 min 34 s
